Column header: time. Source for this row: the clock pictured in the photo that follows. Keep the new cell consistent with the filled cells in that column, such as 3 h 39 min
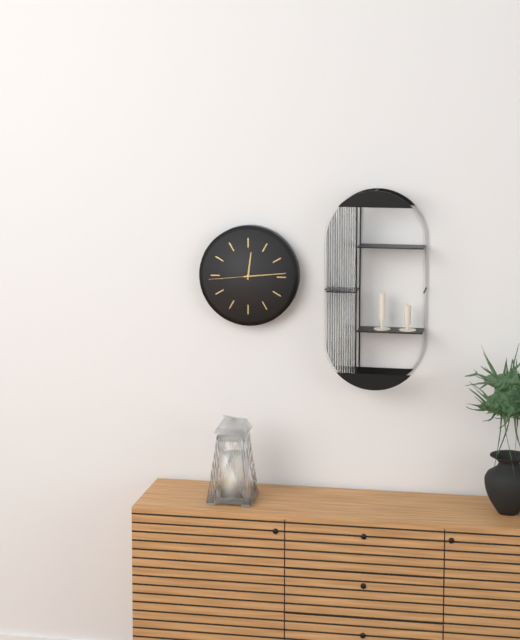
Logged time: 12 h 14 min
